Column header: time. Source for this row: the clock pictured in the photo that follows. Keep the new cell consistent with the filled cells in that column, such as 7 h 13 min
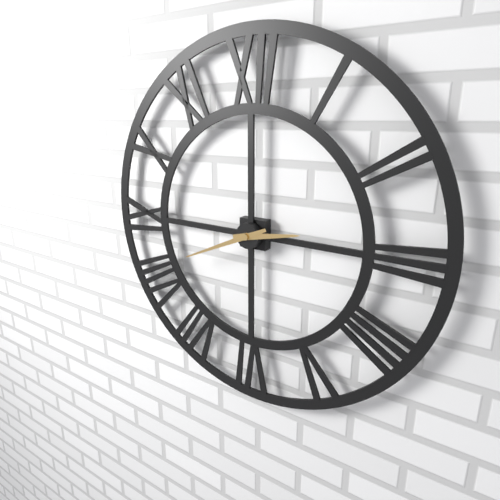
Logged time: 2 h 41 min
